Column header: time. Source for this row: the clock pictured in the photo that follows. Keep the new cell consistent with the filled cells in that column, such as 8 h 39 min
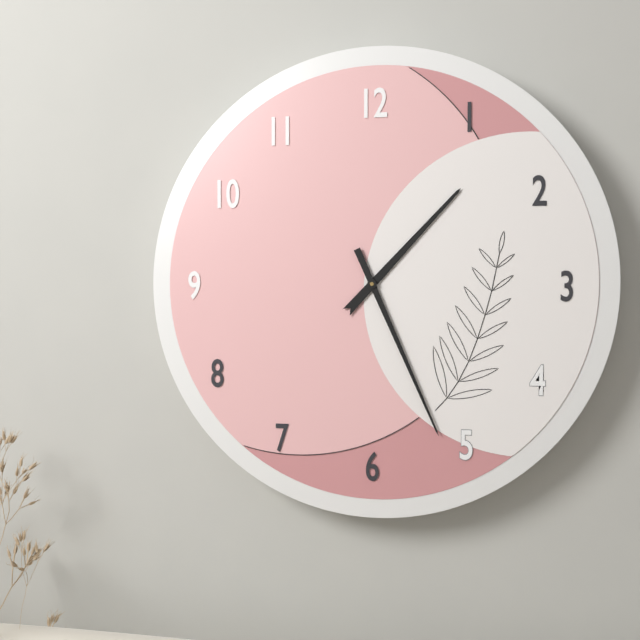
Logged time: 1 h 26 min
